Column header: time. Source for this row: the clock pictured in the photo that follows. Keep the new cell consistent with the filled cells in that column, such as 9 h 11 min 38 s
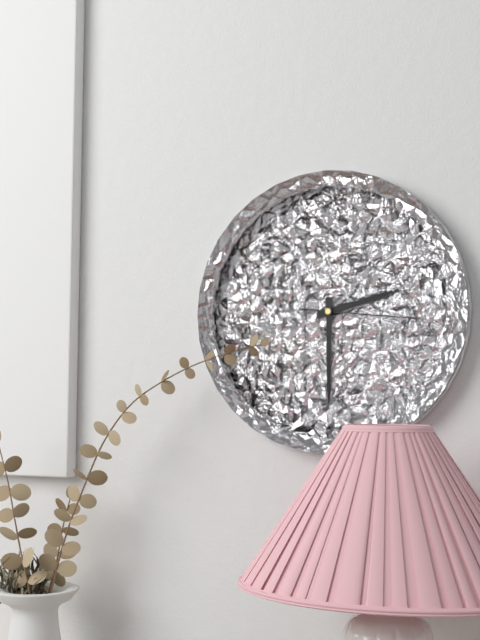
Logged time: 2 h 30 min 16 s
